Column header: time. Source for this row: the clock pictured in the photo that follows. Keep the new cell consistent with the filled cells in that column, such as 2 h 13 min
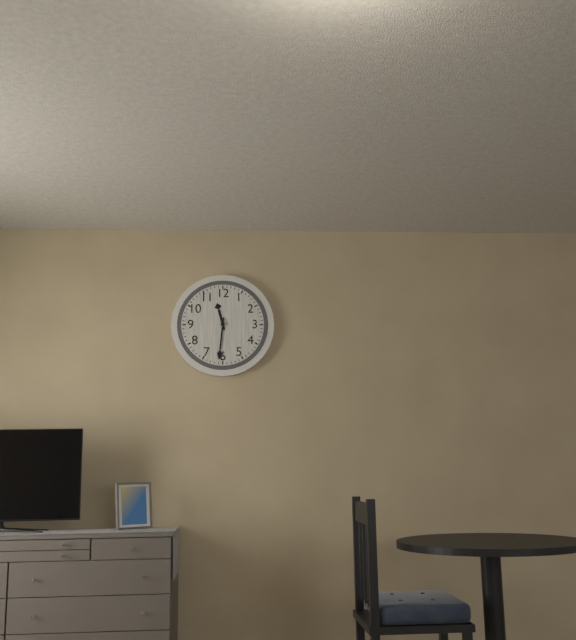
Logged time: 11 h 31 min
